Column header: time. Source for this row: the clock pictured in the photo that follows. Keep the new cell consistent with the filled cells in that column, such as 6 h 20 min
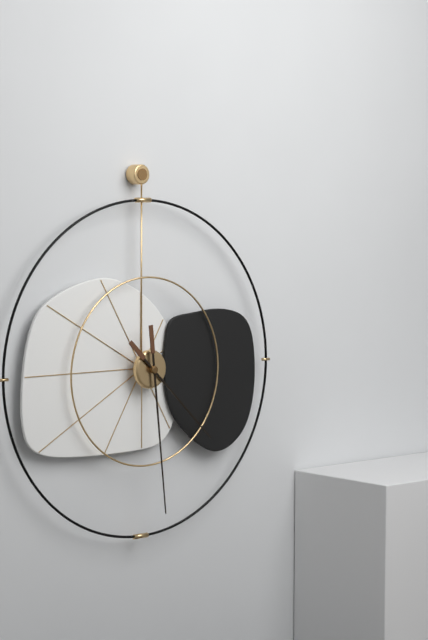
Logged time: 4 h 29 min
